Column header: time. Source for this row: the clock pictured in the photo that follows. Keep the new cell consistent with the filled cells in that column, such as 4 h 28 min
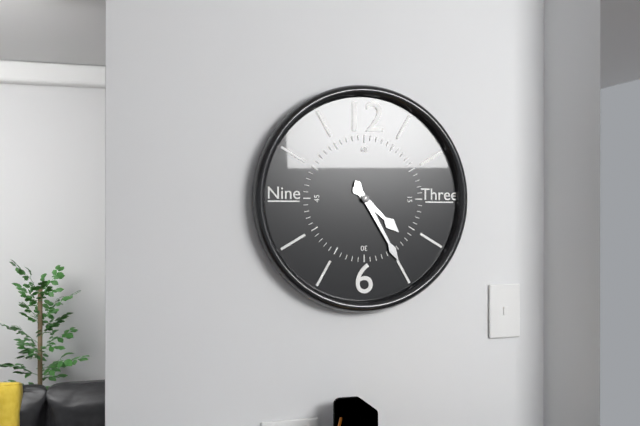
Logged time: 4 h 25 min
